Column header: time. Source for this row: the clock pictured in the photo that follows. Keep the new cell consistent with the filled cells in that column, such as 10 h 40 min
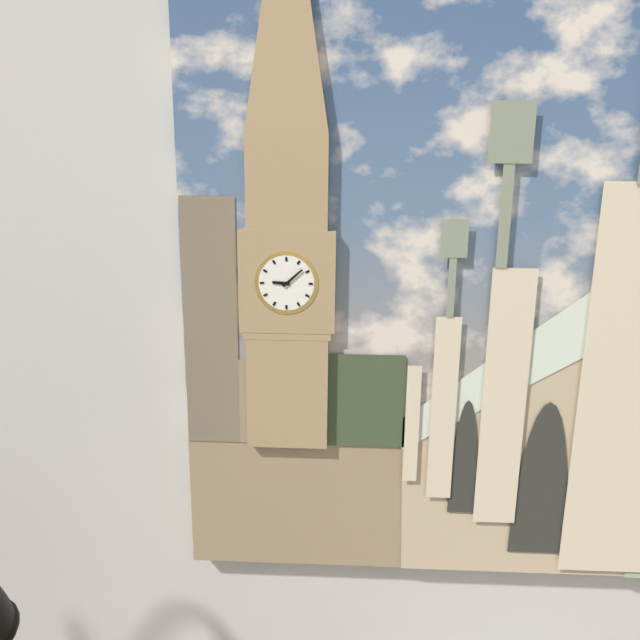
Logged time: 9 h 08 min
